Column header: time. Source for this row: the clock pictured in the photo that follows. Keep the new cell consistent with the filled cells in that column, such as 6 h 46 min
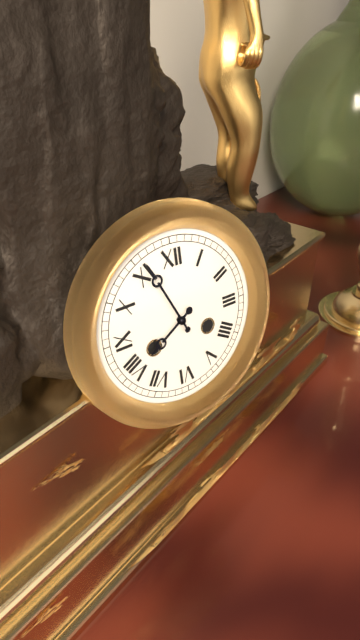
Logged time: 7 h 56 min
